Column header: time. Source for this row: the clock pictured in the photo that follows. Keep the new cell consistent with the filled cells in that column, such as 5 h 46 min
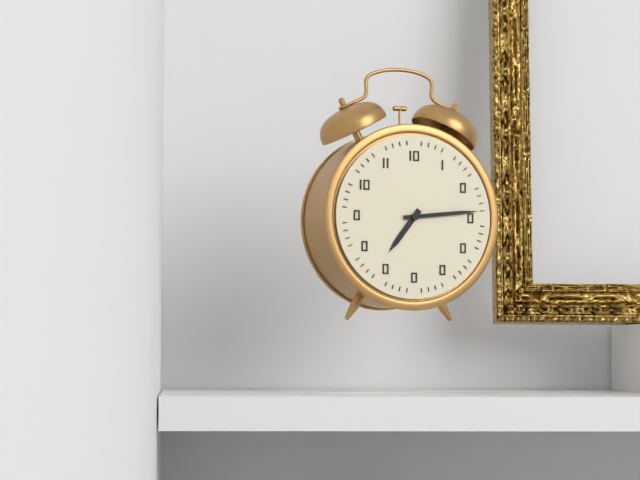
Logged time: 7 h 14 min
